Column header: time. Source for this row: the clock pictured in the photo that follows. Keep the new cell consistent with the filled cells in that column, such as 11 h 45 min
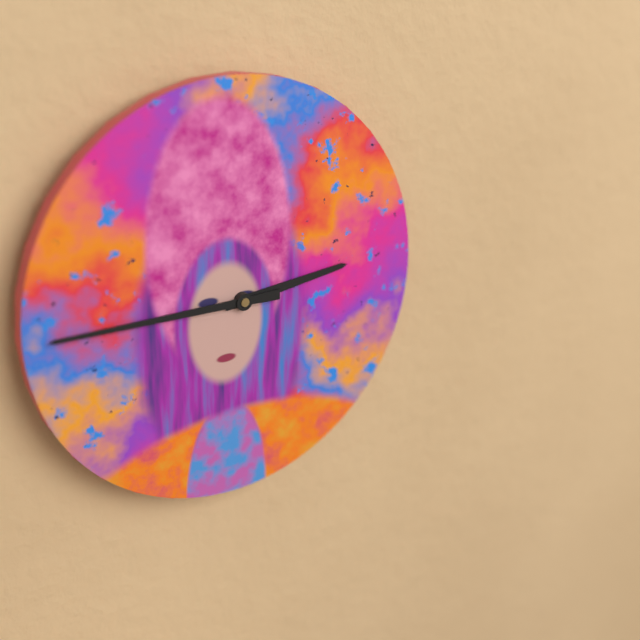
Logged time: 2 h 45 min
